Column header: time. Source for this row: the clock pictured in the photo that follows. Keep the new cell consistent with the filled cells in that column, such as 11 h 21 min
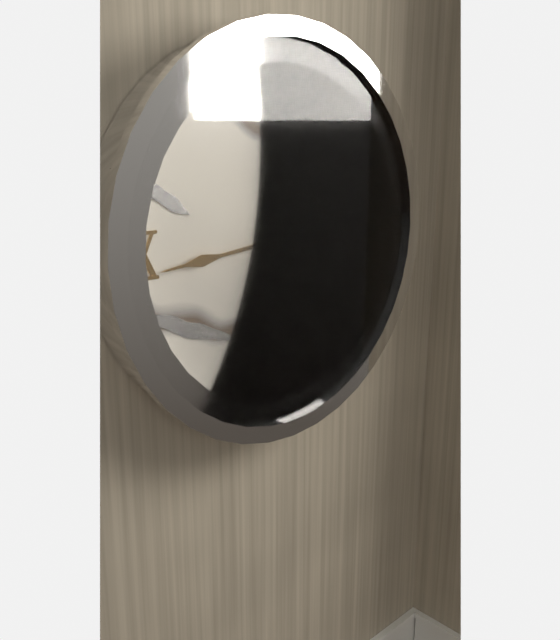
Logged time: 6 h 44 min
